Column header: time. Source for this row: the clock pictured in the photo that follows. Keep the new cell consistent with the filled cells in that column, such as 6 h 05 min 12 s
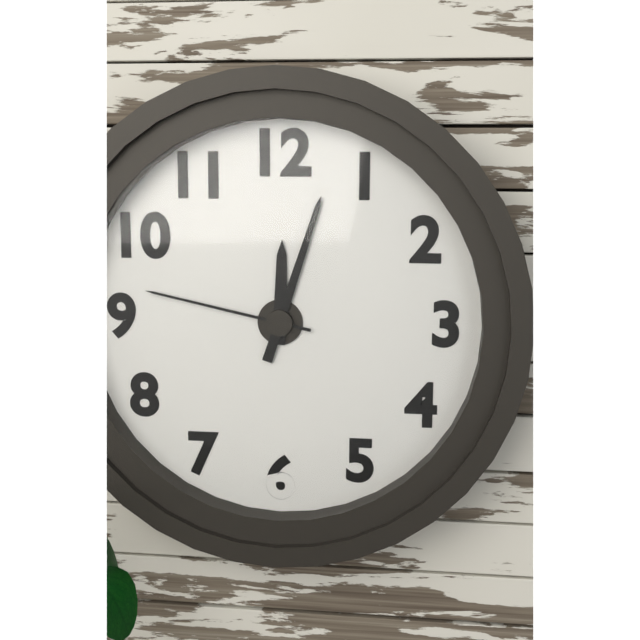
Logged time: 12 h 03 min 47 s
